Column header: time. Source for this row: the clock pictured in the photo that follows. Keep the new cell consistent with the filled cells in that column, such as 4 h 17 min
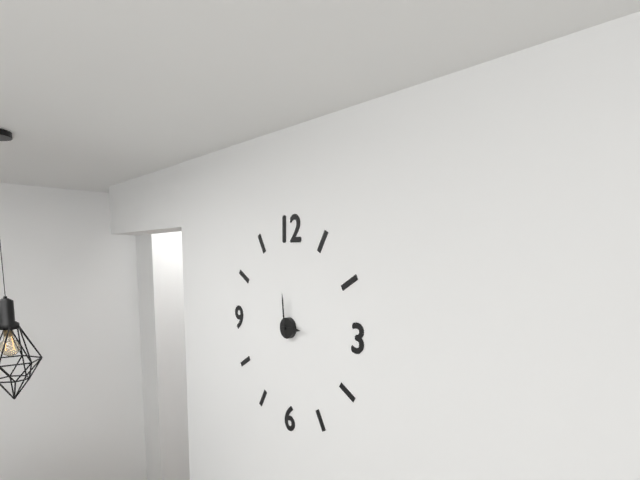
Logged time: 2 h 59 min
